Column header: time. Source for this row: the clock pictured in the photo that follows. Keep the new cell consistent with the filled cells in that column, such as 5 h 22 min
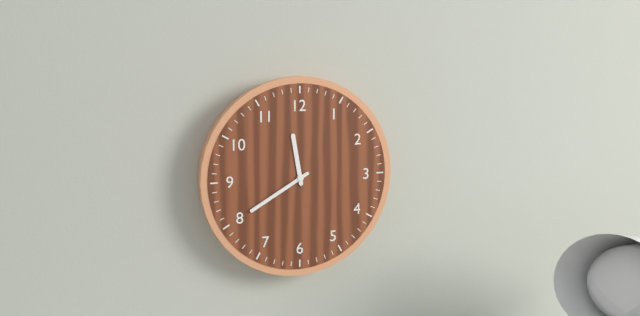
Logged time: 11 h 40 min
